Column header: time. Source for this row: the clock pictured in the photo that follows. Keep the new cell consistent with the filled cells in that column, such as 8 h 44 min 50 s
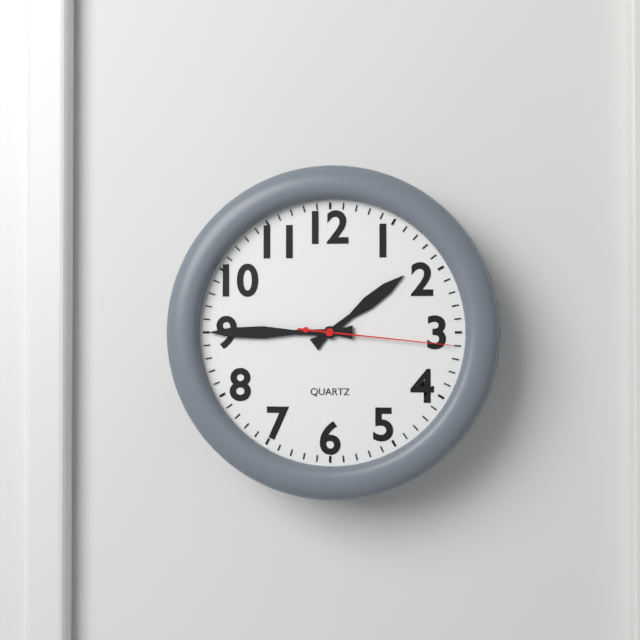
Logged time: 1 h 45 min 16 s
